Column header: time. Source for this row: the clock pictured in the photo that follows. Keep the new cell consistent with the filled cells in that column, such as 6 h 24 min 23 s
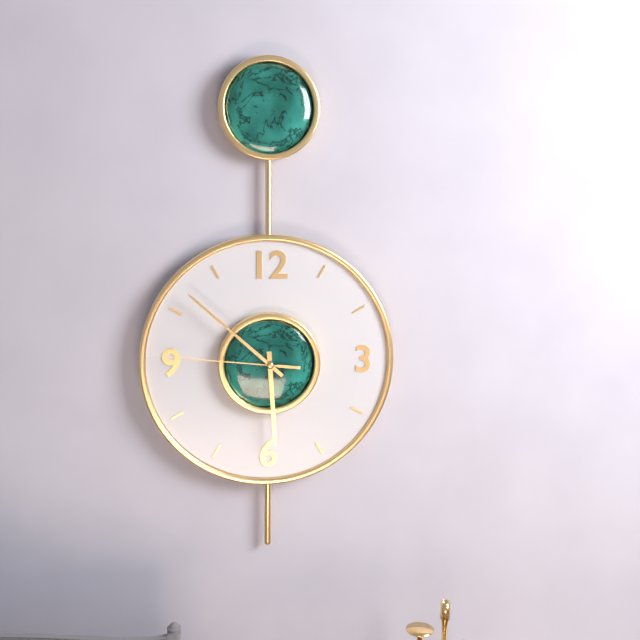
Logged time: 5 h 52 min 46 s
